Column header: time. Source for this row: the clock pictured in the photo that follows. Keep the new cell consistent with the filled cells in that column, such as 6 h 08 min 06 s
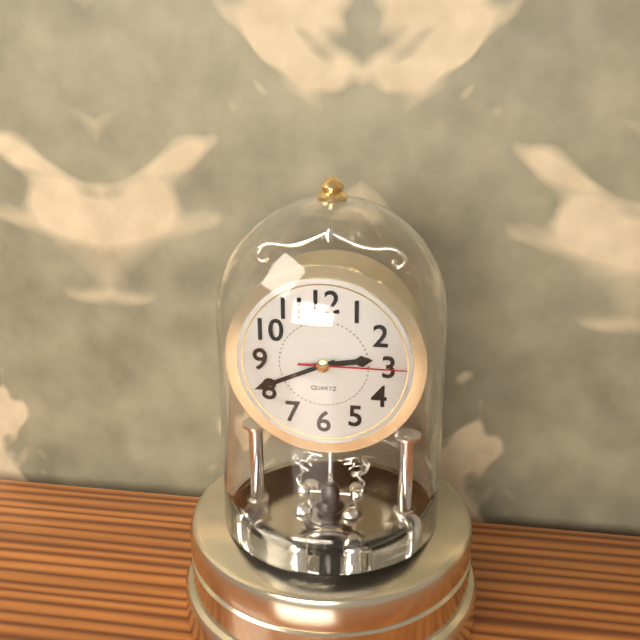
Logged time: 2 h 41 min 15 s
